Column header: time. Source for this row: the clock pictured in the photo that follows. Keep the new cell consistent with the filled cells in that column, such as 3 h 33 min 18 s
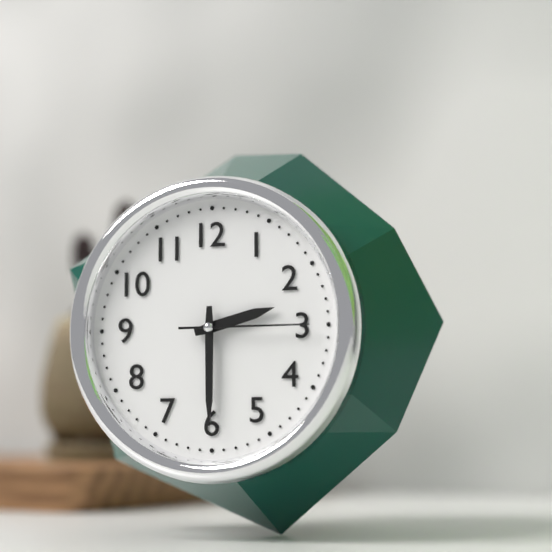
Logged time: 2 h 30 min 15 s
